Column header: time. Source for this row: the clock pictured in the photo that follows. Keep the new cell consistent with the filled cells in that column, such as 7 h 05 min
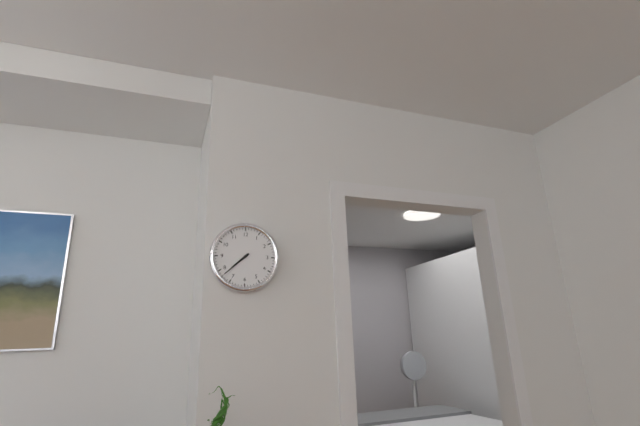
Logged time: 7 h 38 min
